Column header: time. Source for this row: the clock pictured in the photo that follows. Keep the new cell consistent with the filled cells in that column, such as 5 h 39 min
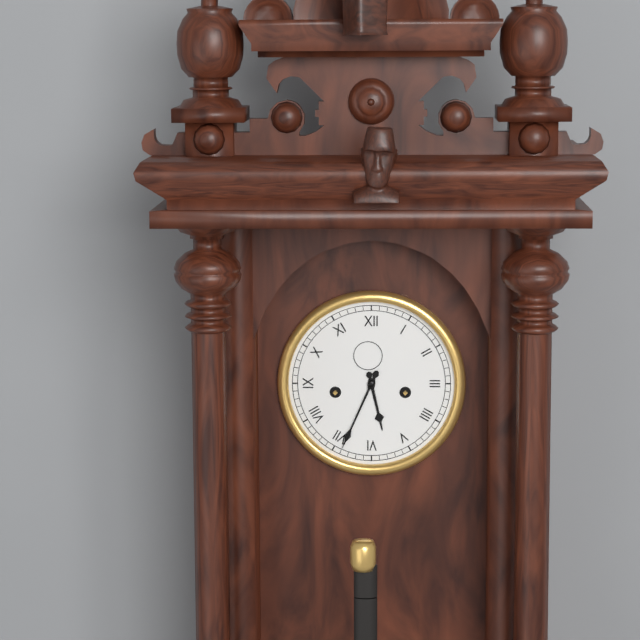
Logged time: 5 h 34 min
